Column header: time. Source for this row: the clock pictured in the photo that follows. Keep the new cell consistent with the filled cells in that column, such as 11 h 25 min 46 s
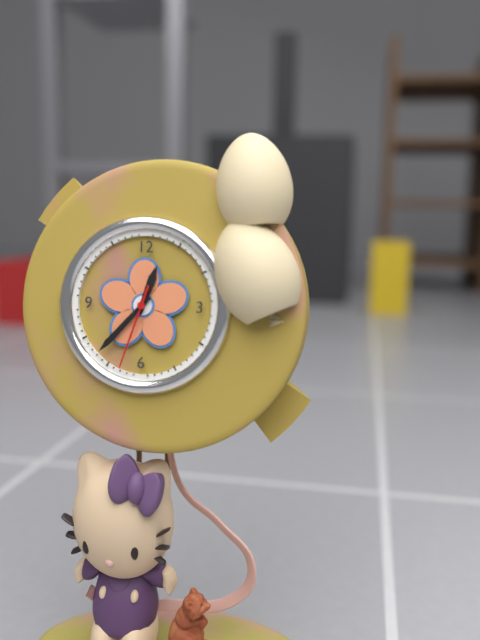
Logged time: 12 h 37 min 33 s
